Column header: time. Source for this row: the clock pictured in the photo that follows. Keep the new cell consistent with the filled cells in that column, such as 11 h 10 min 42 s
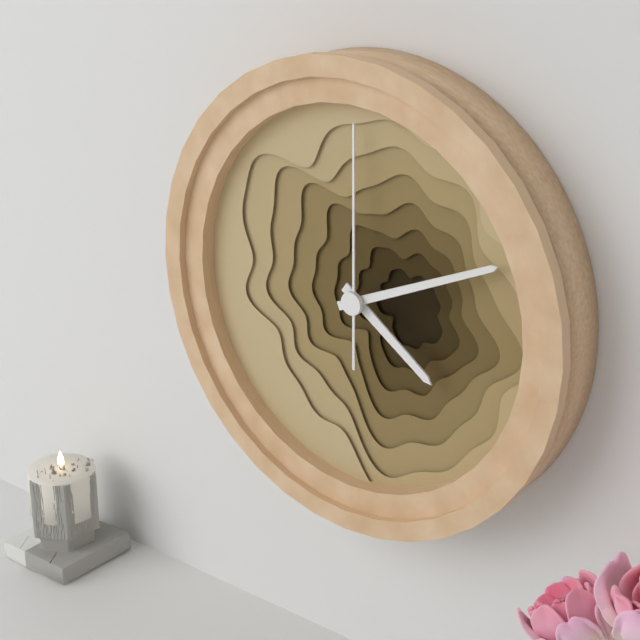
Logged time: 4 h 11 min 00 s
